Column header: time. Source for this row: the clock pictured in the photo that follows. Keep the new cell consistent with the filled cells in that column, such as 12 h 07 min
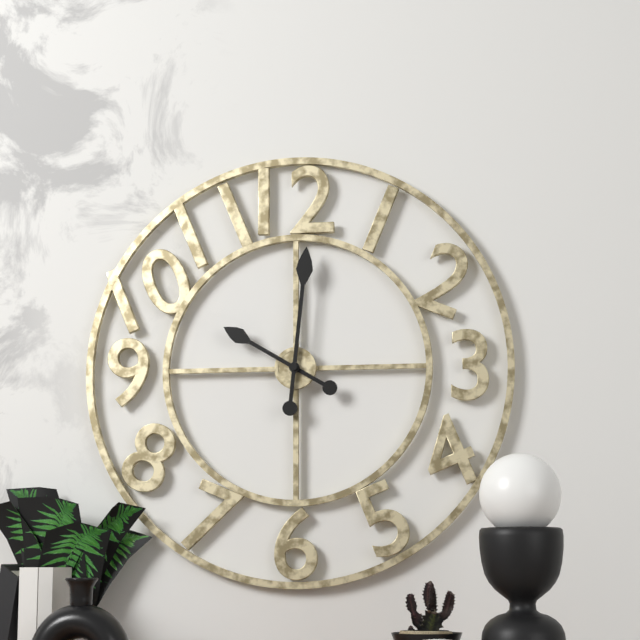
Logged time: 10 h 01 min
